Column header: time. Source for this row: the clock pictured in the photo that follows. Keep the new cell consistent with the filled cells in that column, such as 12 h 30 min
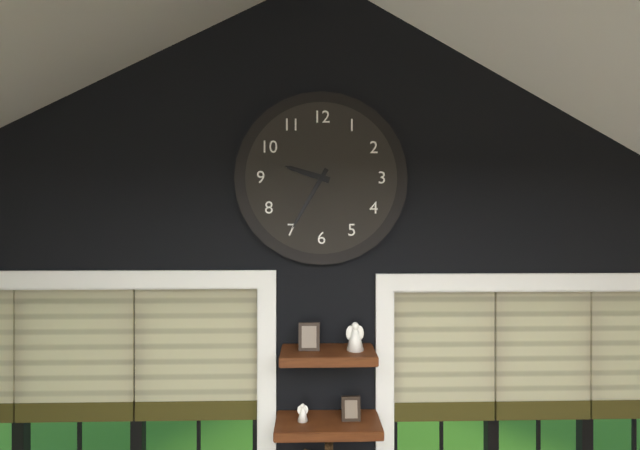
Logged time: 9 h 35 min
